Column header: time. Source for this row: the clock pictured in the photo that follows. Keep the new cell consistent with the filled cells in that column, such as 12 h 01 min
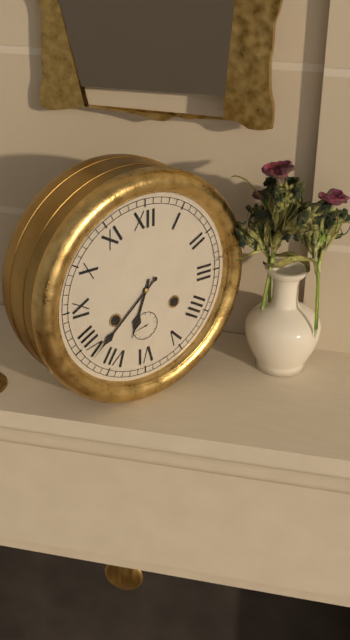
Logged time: 6 h 38 min
